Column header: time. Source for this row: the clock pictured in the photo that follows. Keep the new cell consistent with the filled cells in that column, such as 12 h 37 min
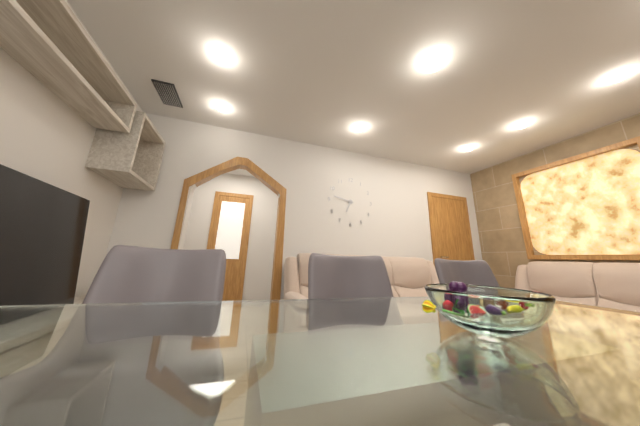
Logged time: 6 h 47 min
